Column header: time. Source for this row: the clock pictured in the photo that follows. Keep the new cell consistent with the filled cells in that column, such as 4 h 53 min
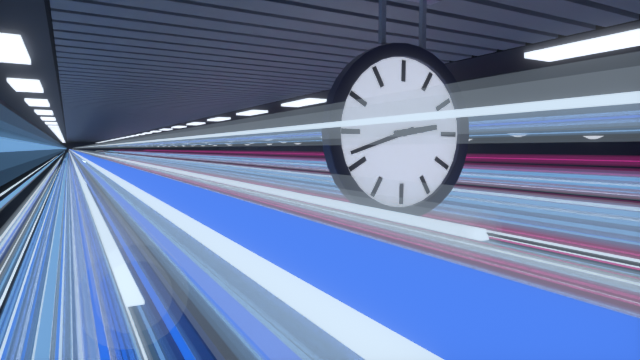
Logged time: 2 h 42 min
